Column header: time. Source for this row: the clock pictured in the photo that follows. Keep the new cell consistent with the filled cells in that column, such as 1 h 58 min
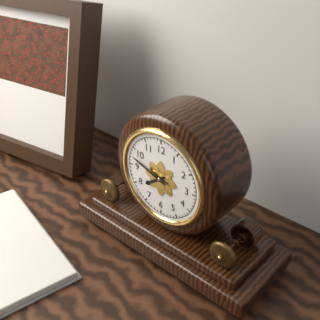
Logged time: 7 h 48 min
